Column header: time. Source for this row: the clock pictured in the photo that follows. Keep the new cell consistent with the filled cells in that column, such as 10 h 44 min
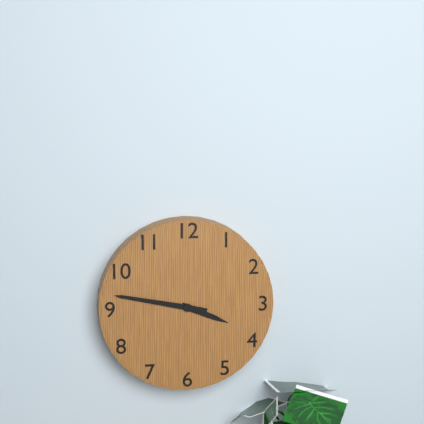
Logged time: 3 h 47 min
